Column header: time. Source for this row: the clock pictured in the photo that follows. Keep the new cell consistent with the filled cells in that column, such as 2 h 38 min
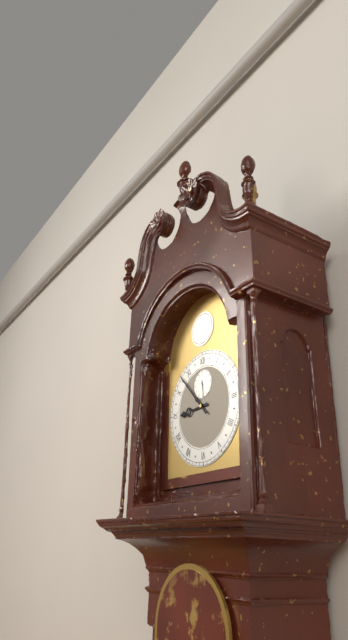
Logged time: 8 h 53 min
